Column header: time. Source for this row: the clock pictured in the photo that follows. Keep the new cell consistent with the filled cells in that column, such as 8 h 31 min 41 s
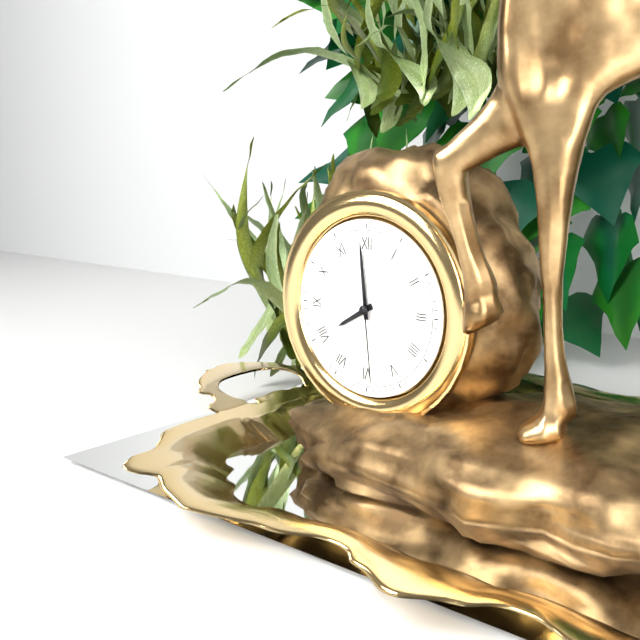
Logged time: 7 h 59 min 29 s
